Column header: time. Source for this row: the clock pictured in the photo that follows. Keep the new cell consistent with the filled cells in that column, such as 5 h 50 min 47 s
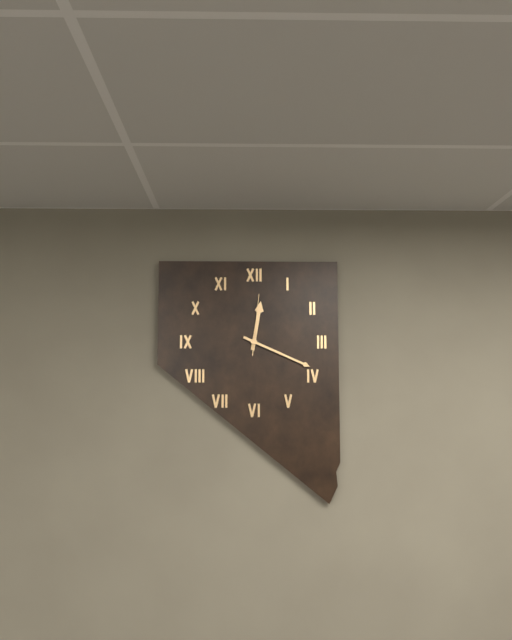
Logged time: 12 h 19 min 01 s
